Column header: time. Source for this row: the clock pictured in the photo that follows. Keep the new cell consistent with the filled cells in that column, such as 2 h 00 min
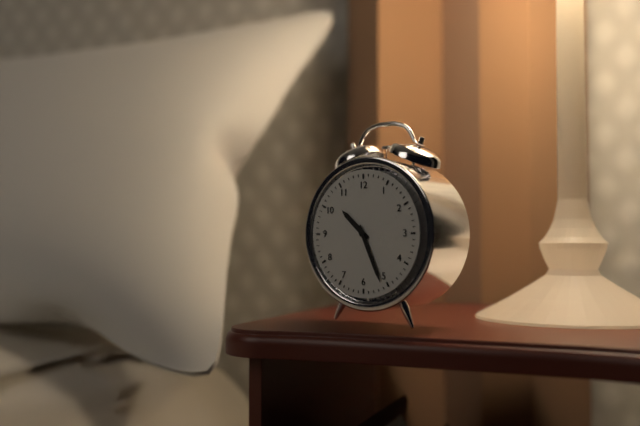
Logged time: 10 h 26 min
